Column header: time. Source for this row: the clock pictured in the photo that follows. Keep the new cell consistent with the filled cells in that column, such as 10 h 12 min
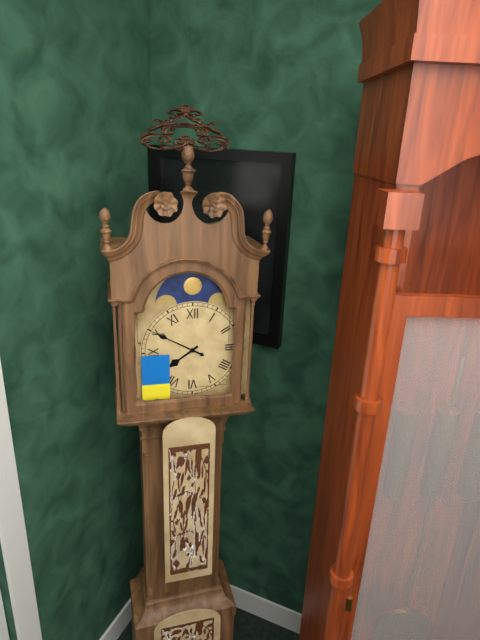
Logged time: 7 h 50 min
